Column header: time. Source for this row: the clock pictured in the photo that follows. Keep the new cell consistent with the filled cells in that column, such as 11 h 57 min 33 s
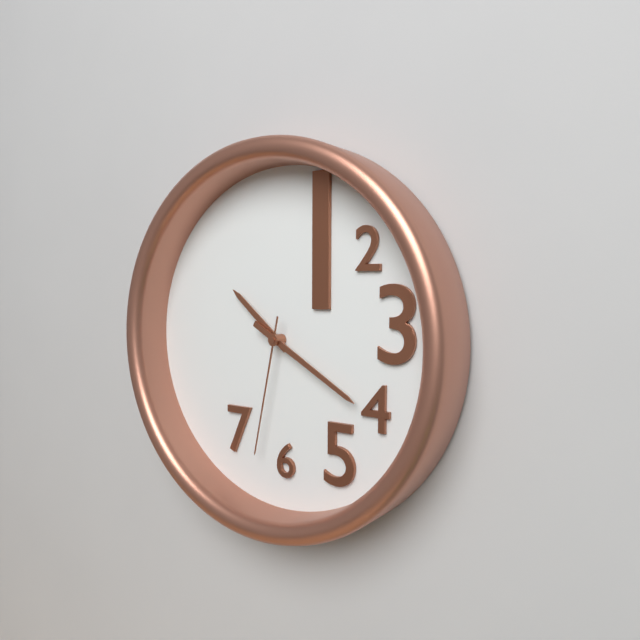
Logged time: 10 h 20 min 32 s
